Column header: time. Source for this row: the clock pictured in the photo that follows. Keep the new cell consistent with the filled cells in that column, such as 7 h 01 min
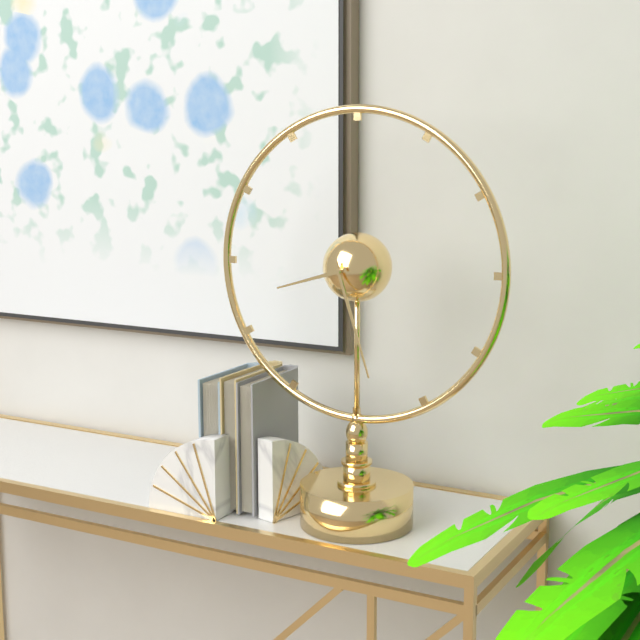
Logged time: 8 h 27 min
